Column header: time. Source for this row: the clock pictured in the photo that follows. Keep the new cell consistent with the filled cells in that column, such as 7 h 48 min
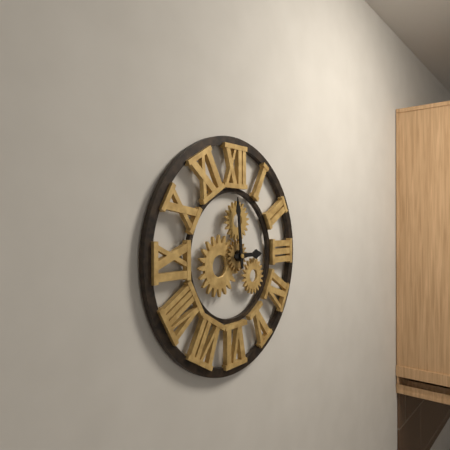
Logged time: 2 h 59 min
